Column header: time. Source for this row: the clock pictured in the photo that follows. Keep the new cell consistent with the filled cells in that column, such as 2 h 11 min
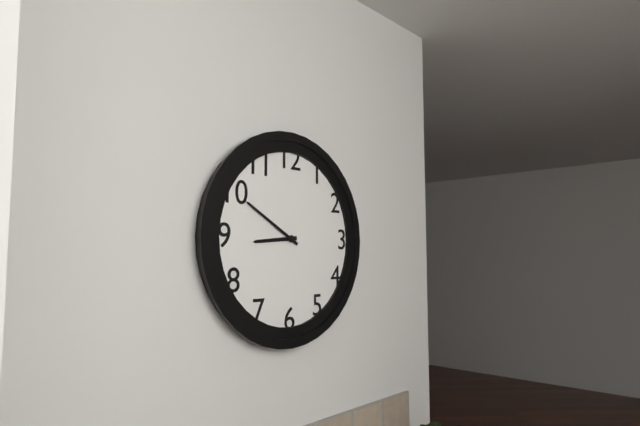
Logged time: 8 h 50 min
